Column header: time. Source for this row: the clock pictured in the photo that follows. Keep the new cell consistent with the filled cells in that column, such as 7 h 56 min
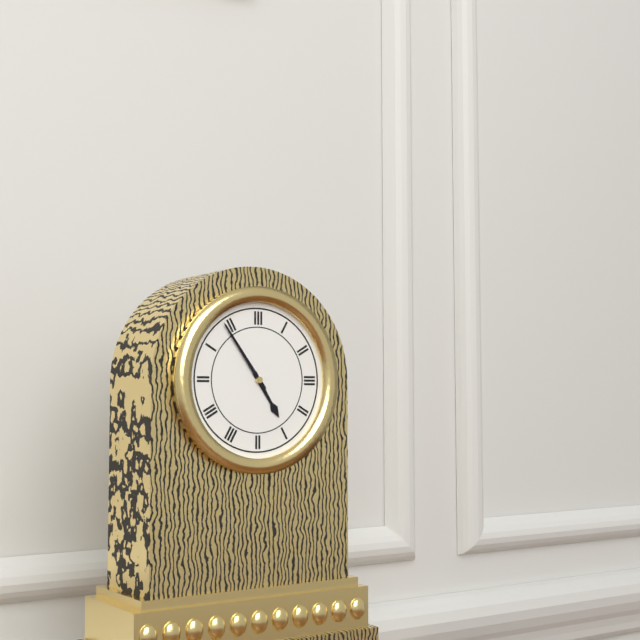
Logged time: 4 h 54 min
